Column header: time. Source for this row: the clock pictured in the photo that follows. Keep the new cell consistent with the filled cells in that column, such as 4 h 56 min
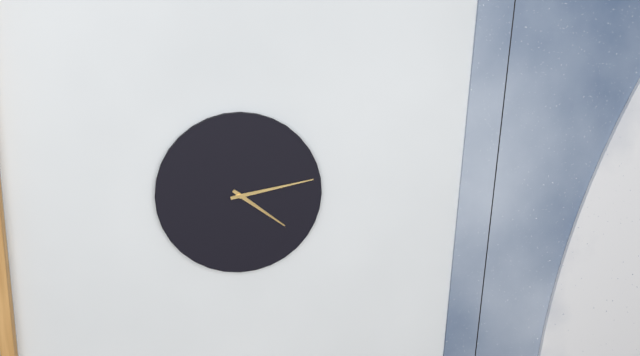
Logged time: 4 h 13 min
